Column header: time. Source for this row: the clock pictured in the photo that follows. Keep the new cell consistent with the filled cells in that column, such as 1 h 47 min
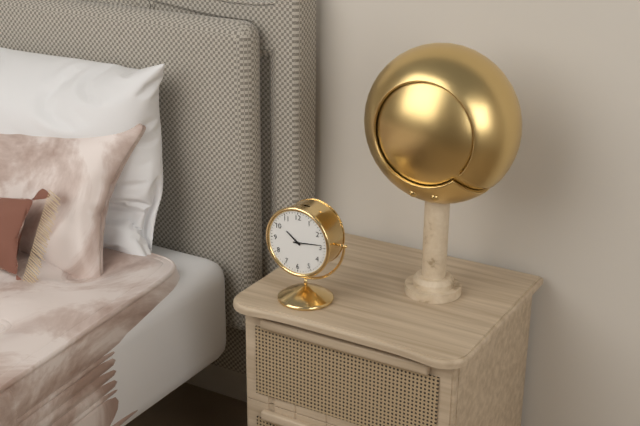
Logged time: 10 h 14 min
